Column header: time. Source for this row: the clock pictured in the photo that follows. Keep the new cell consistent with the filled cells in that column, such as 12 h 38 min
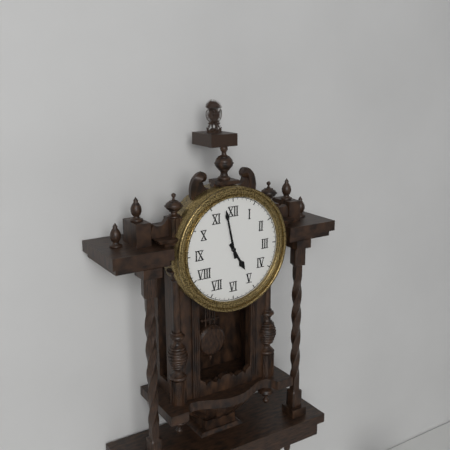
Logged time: 4 h 58 min
